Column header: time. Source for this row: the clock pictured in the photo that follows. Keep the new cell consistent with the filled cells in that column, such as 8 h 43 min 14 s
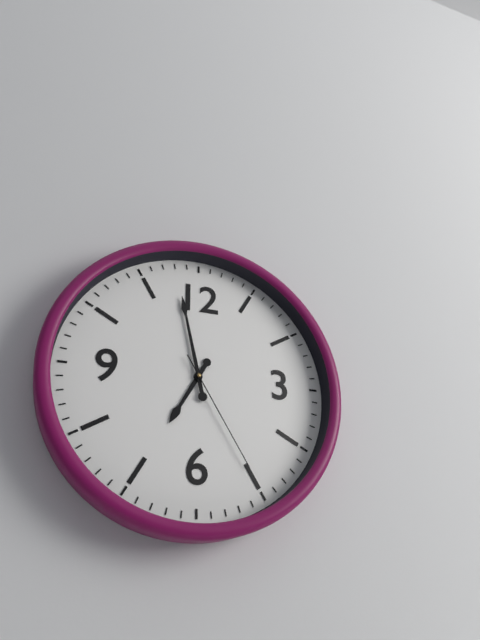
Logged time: 6 h 58 min 25 s
